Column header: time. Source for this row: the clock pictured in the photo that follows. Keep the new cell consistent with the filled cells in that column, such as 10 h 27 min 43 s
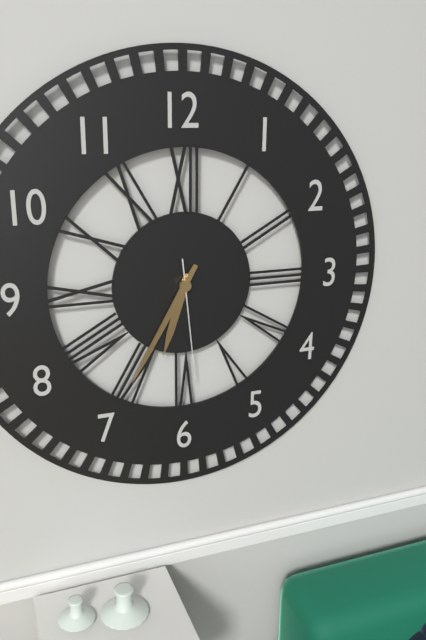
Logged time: 6 h 35 min 29 s
